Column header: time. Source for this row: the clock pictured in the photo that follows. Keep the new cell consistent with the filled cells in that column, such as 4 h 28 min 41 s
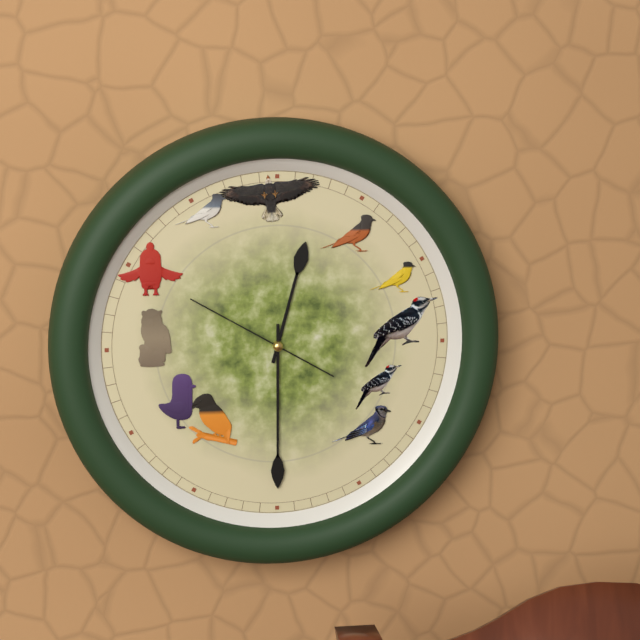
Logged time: 12 h 30 min 50 s
